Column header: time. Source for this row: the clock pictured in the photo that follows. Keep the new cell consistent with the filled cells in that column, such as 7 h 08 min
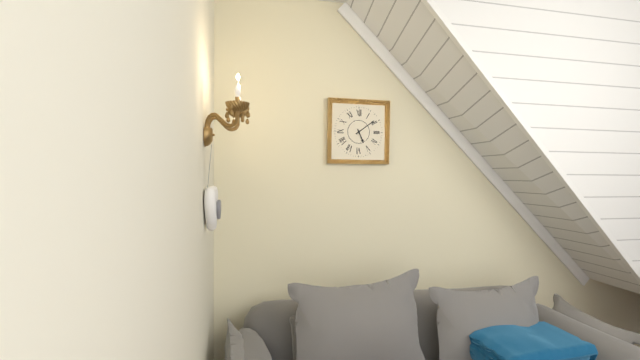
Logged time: 5 h 09 min
